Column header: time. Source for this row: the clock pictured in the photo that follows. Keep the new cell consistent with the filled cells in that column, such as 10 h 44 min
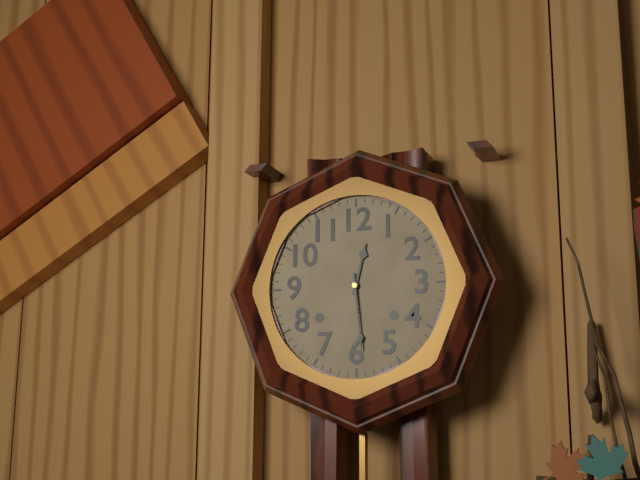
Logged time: 12 h 29 min
